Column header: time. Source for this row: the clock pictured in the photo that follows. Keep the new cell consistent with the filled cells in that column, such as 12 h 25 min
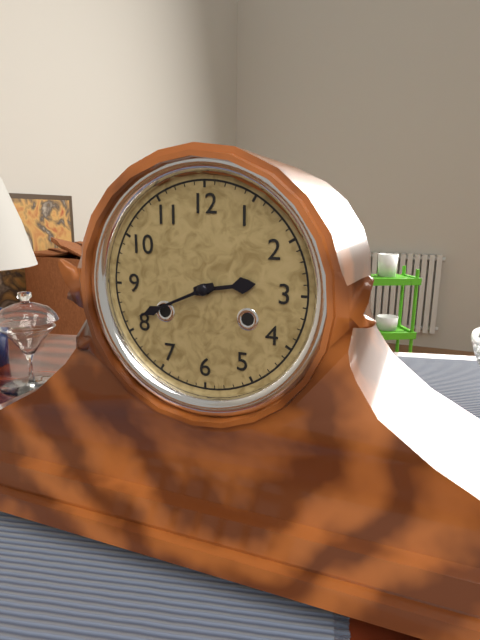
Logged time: 2 h 41 min
